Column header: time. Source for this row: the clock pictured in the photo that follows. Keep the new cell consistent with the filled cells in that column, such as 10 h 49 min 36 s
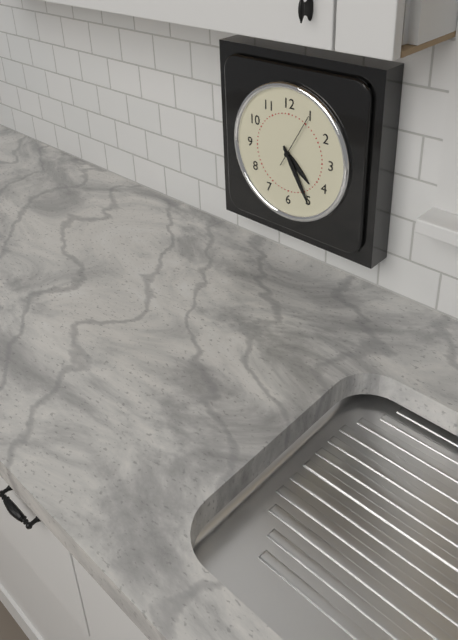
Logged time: 4 h 25 min 05 s
